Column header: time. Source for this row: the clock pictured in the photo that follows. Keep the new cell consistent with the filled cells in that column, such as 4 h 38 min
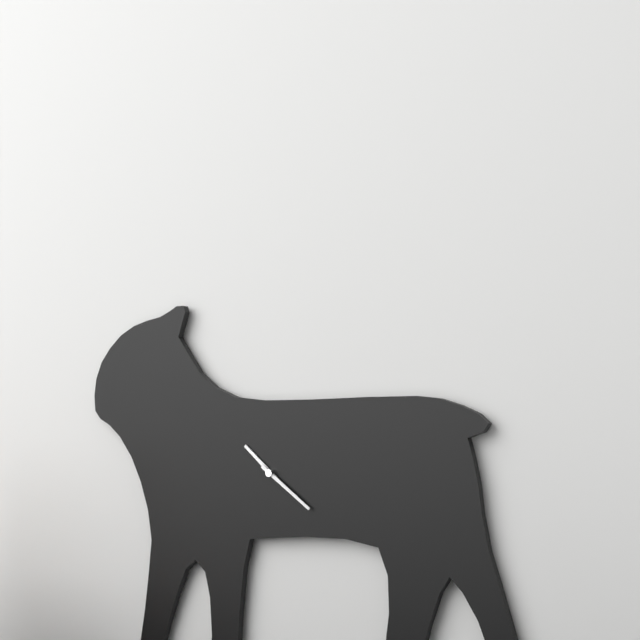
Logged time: 10 h 21 min
